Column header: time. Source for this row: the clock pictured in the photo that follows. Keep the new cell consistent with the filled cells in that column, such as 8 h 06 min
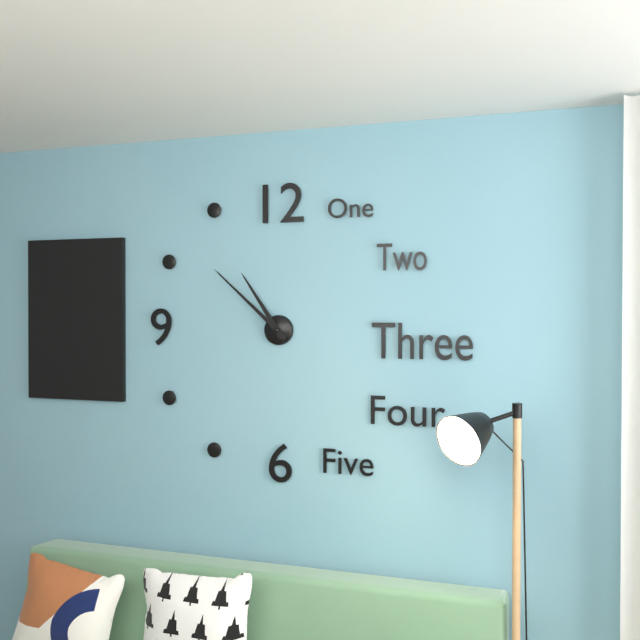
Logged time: 10 h 52 min
